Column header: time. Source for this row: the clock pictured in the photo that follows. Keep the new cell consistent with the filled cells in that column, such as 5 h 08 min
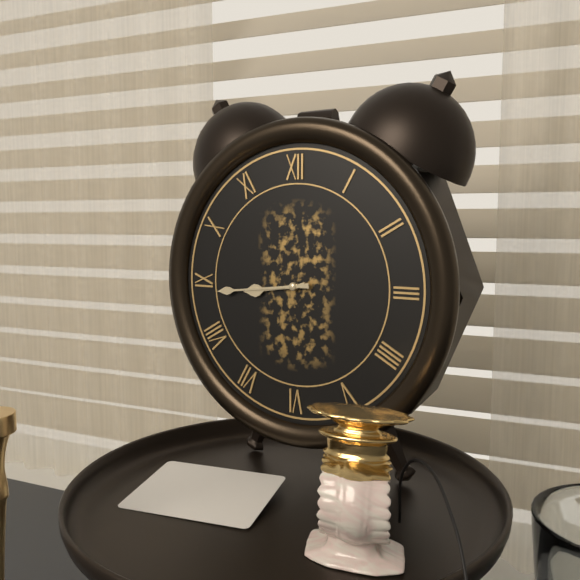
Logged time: 8 h 44 min
